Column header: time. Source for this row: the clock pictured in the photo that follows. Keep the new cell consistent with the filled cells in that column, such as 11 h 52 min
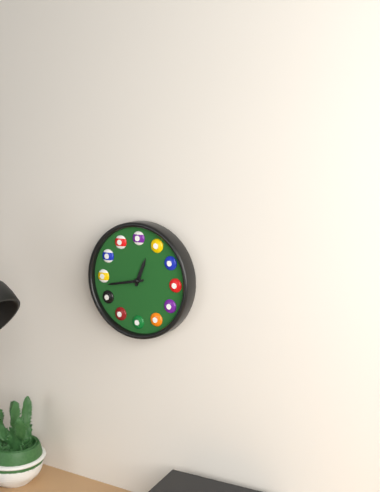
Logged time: 12 h 43 min
